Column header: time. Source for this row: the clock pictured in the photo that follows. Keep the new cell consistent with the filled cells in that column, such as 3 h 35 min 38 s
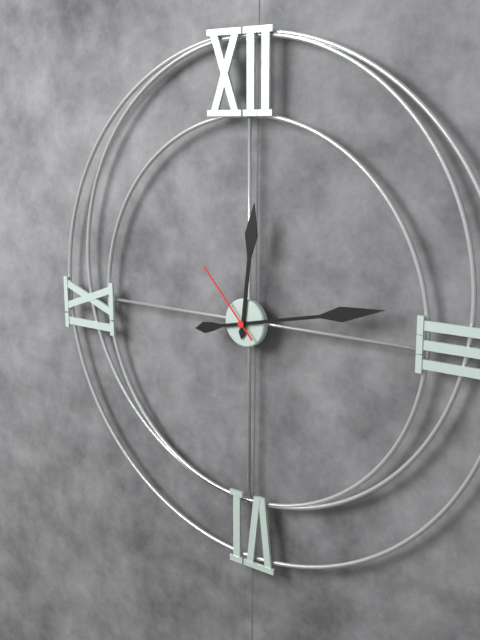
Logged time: 12 h 13 min 53 s
